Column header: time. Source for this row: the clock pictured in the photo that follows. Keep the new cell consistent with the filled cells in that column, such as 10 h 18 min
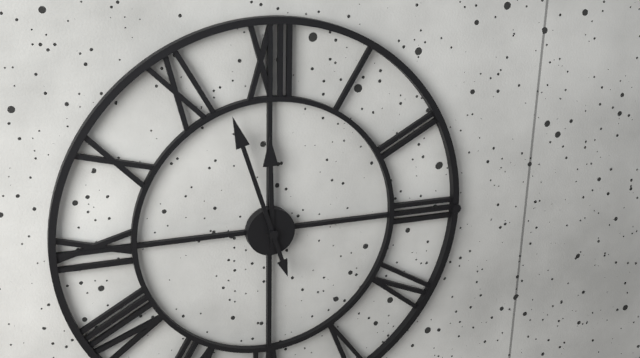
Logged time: 11 h 57 min
